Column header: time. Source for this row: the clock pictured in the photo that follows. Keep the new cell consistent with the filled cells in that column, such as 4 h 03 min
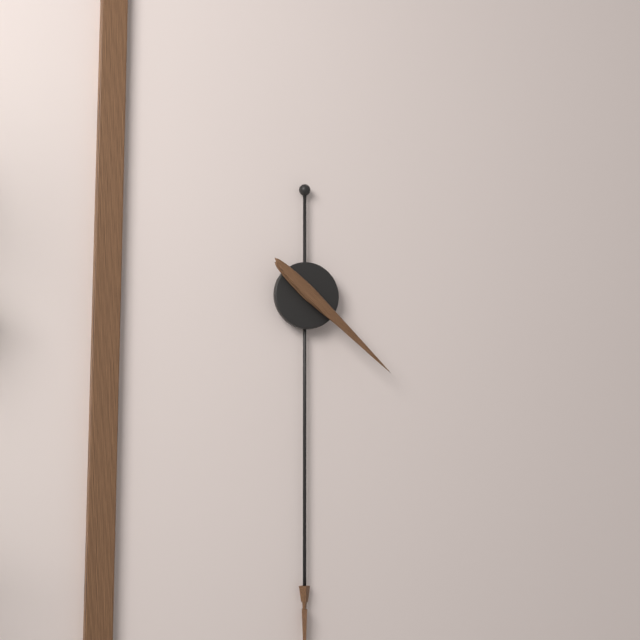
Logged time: 4 h 22 min
